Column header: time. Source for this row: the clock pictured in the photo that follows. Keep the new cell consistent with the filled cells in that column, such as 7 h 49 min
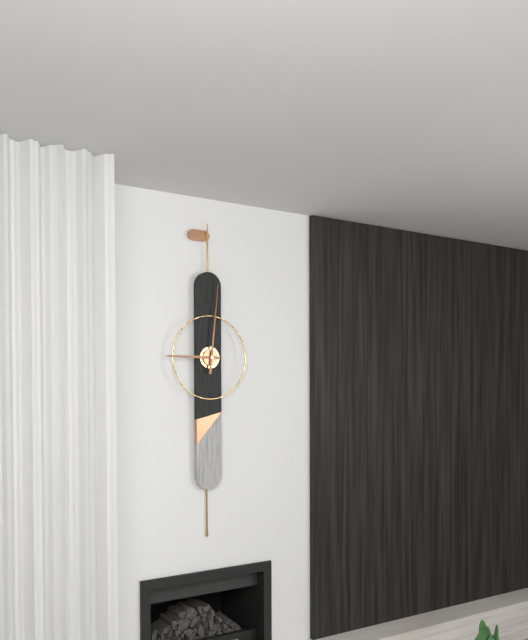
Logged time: 9 h 01 min
